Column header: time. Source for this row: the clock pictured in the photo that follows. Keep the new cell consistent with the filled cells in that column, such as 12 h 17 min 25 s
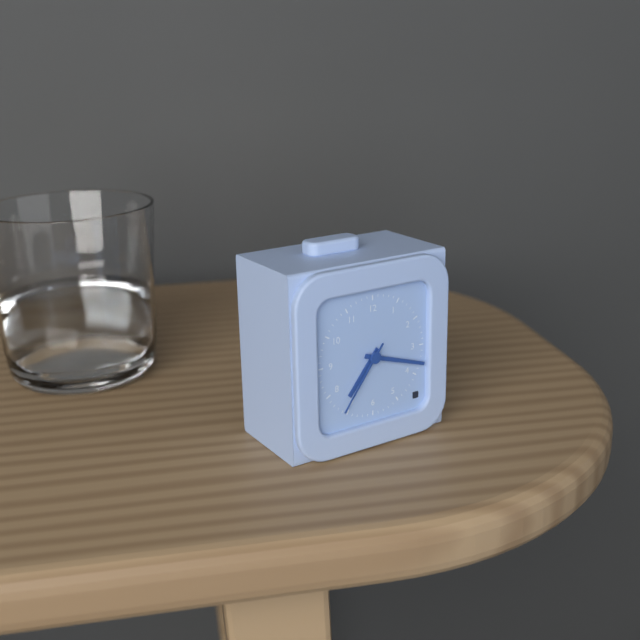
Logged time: 7 h 18 min 36 s
